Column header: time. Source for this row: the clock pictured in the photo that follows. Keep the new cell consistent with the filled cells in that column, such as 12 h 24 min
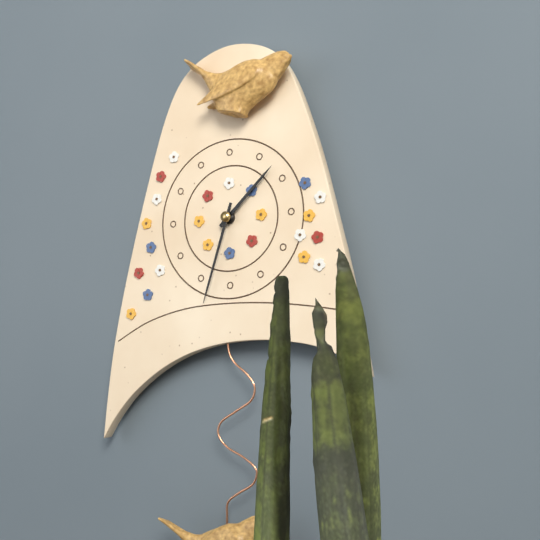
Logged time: 1 h 33 min
